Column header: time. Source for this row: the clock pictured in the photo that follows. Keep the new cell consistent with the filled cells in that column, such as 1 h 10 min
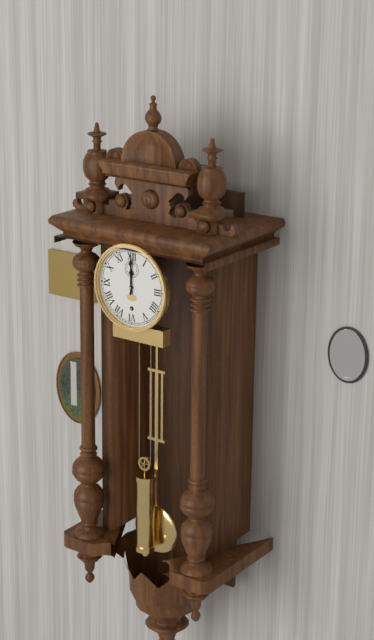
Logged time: 12 h 00 min
